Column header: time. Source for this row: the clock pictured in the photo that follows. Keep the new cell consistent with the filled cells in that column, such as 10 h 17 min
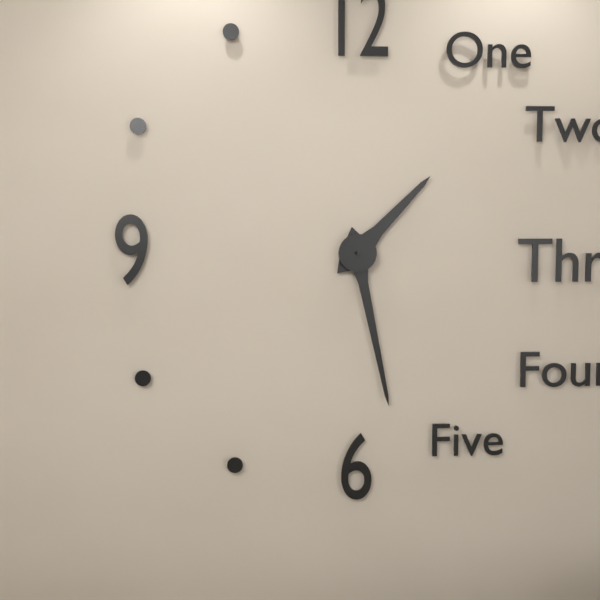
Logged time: 1 h 28 min
